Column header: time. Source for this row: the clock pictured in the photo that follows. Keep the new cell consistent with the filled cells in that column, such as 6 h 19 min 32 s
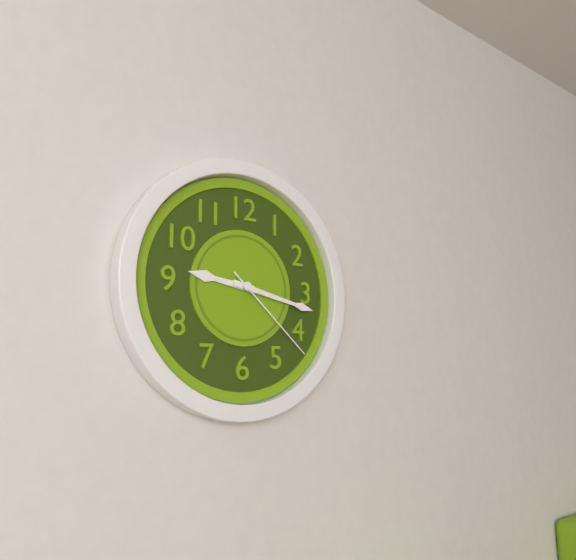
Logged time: 9 h 17 min 22 s
